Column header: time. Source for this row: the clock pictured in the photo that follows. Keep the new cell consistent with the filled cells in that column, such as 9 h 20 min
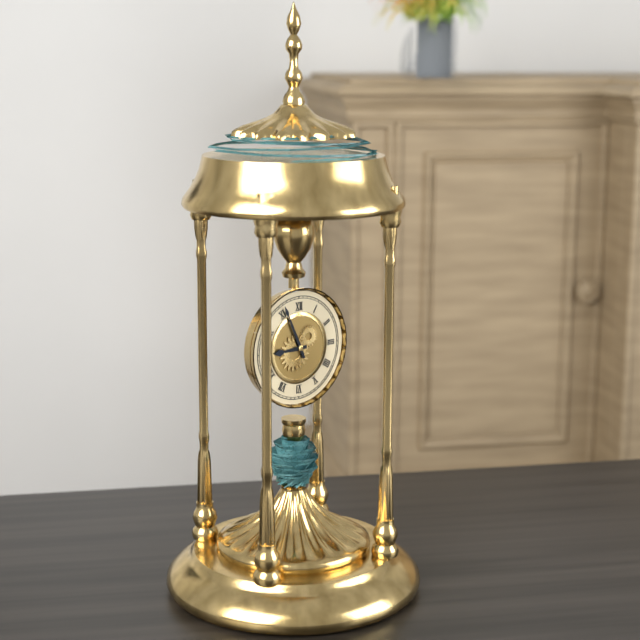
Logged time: 8 h 56 min
